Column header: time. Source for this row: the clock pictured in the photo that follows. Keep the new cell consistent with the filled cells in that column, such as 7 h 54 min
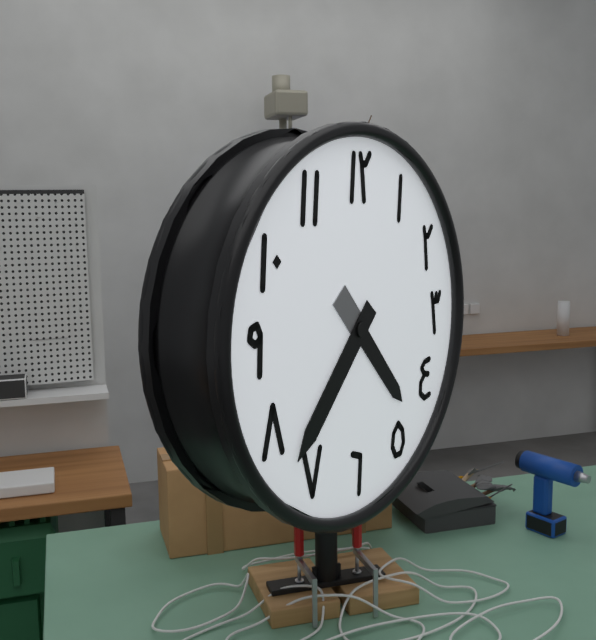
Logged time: 4 h 37 min
